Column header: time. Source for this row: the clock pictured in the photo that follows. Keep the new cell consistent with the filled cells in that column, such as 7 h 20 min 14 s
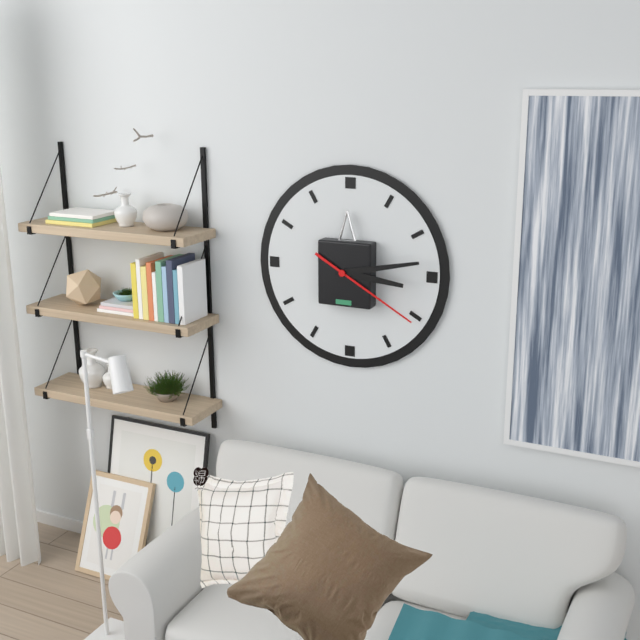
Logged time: 3 h 13 min 20 s
